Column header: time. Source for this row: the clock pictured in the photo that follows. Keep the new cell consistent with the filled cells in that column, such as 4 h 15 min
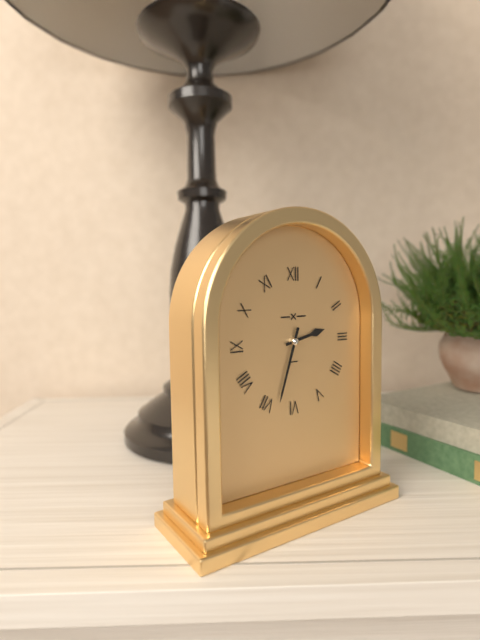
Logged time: 2 h 33 min
